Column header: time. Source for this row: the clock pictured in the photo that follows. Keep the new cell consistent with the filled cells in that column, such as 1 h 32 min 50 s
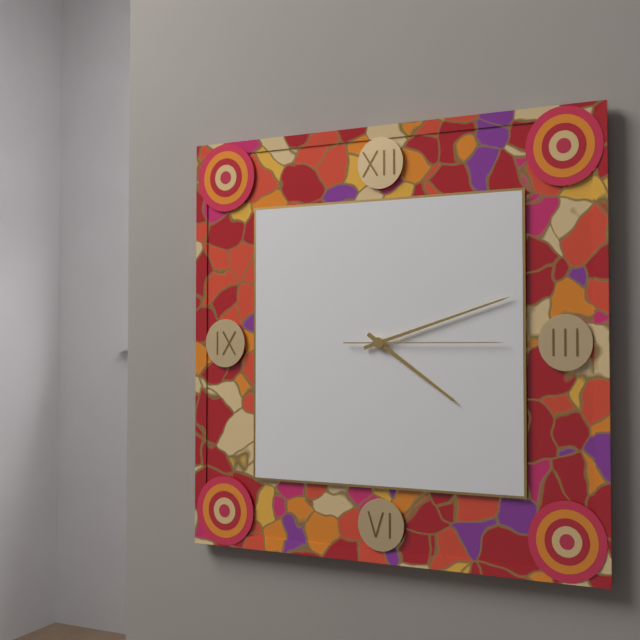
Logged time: 4 h 12 min 15 s
